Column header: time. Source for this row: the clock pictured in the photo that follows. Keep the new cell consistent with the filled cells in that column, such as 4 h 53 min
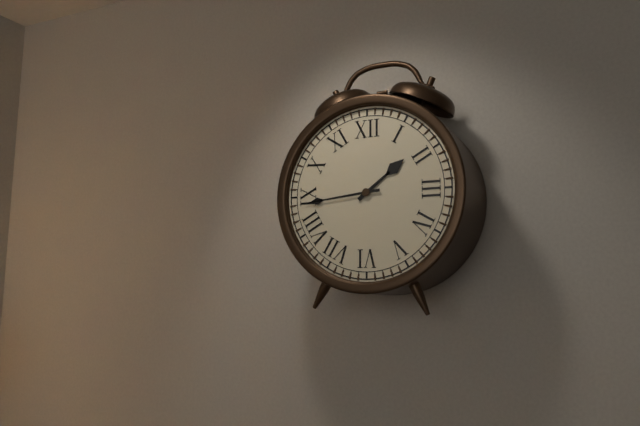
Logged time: 1 h 44 min
